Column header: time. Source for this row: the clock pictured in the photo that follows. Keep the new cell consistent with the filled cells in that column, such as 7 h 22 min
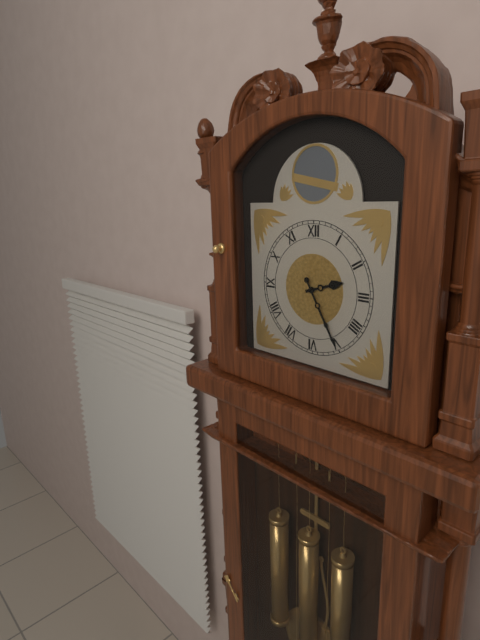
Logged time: 2 h 25 min
